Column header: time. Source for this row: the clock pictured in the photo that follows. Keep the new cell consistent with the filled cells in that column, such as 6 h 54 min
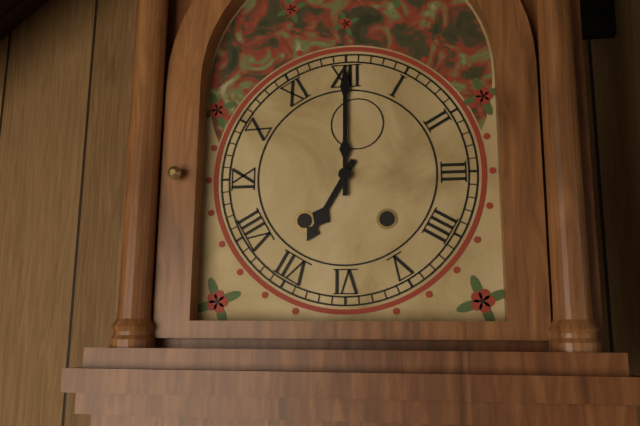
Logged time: 7 h 00 min
